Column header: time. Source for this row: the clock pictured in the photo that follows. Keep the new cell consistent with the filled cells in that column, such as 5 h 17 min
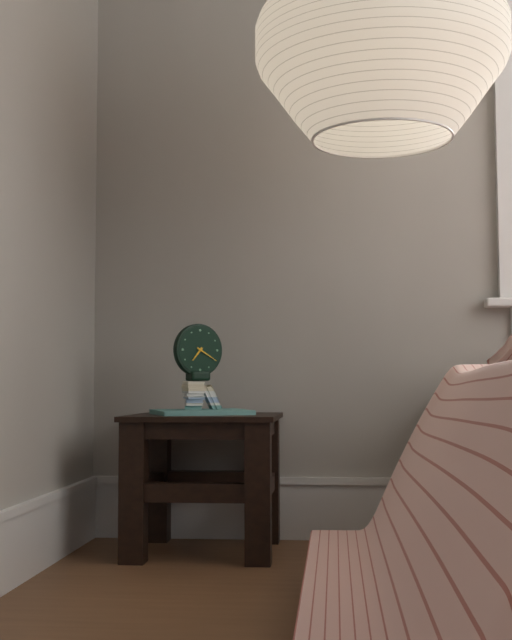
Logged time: 7 h 20 min
